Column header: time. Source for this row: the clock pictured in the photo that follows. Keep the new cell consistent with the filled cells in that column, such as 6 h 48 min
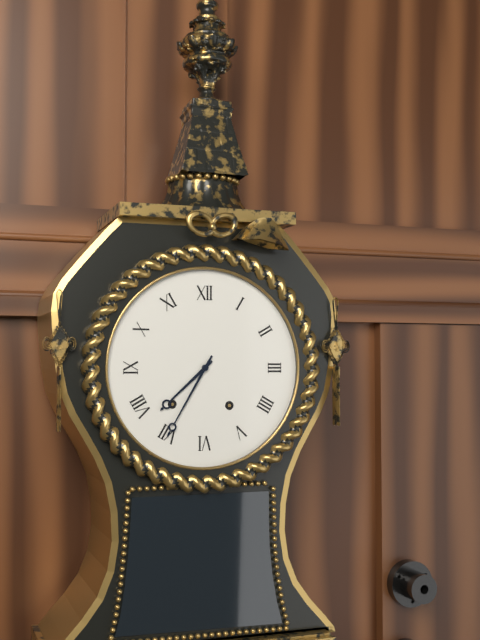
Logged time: 7 h 35 min
